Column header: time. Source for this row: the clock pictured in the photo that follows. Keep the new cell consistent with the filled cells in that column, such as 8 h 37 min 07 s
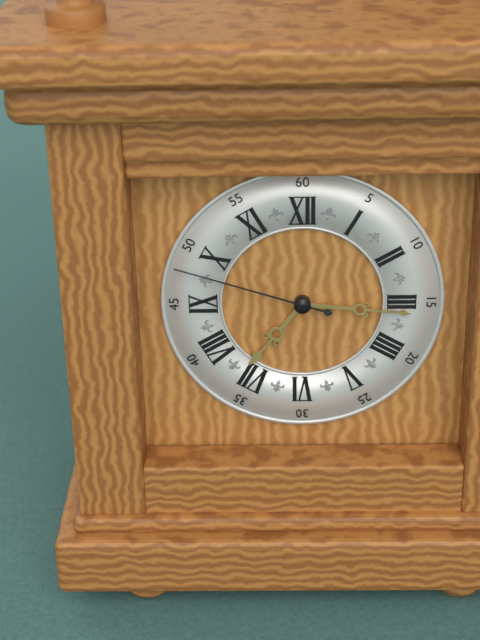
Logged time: 7 h 16 min 48 s
